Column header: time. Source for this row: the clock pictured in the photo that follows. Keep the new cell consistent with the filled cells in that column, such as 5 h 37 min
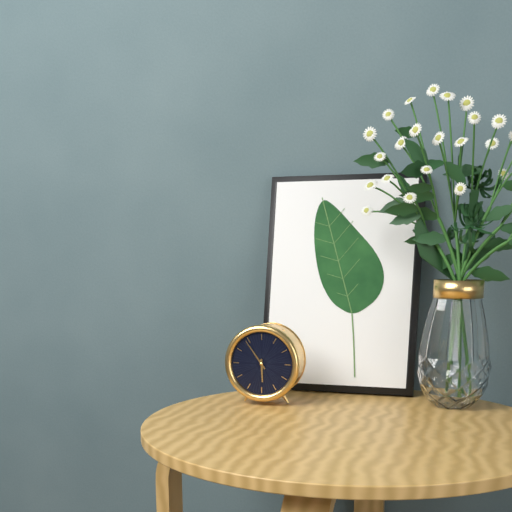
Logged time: 5 h 54 min
